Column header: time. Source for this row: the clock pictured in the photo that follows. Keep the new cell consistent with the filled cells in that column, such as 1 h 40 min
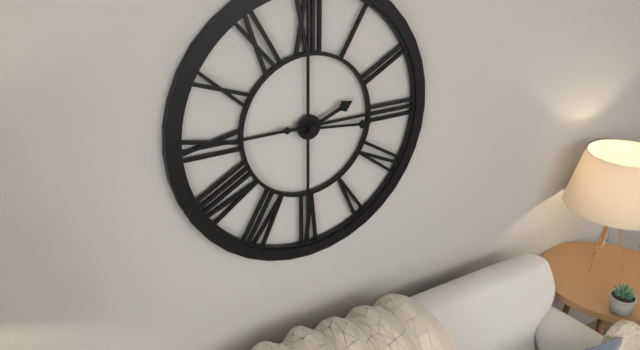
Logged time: 2 h 16 min
